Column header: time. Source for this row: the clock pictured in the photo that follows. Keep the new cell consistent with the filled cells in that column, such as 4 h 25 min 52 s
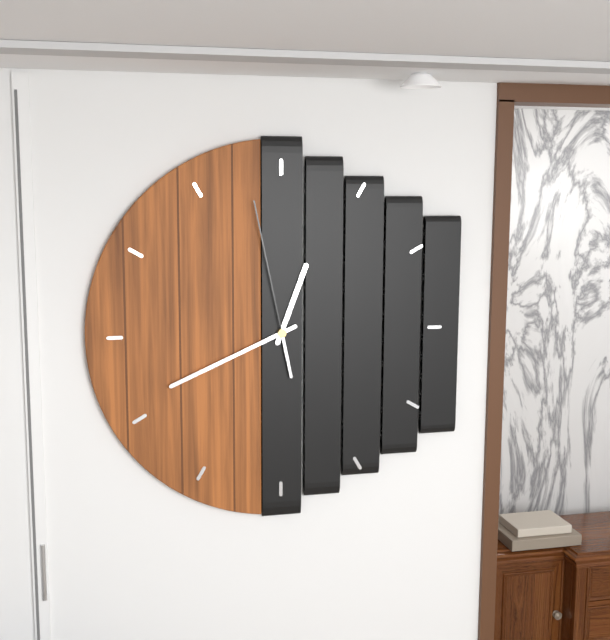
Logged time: 12 h 41 min 58 s
